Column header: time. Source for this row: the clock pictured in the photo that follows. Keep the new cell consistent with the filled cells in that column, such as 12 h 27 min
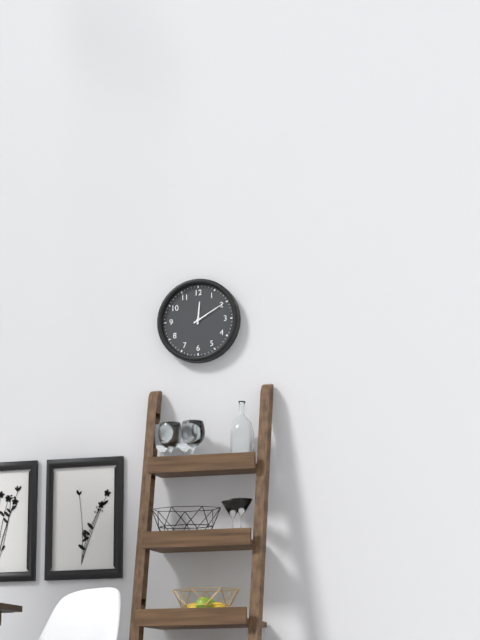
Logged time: 12 h 10 min
